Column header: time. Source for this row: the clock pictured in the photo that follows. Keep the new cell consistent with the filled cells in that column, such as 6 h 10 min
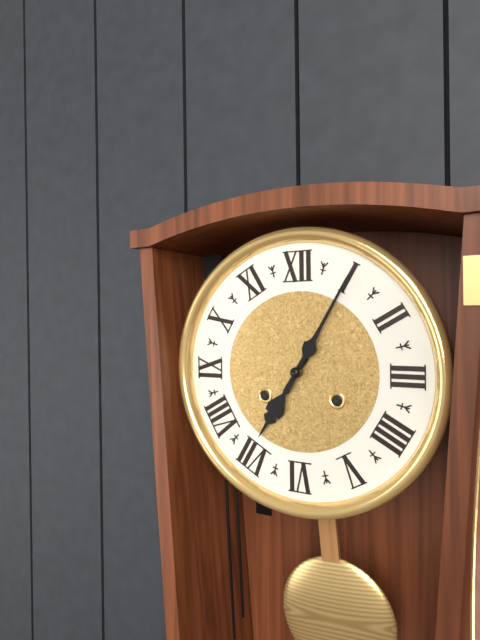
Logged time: 7 h 05 min
